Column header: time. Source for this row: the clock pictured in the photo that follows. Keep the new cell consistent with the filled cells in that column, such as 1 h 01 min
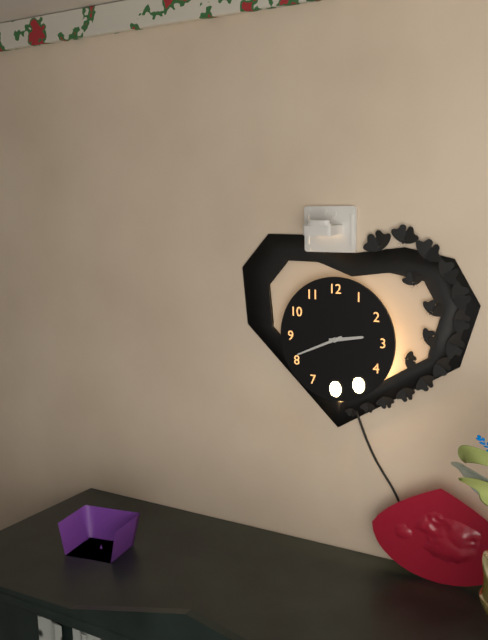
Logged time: 2 h 41 min
